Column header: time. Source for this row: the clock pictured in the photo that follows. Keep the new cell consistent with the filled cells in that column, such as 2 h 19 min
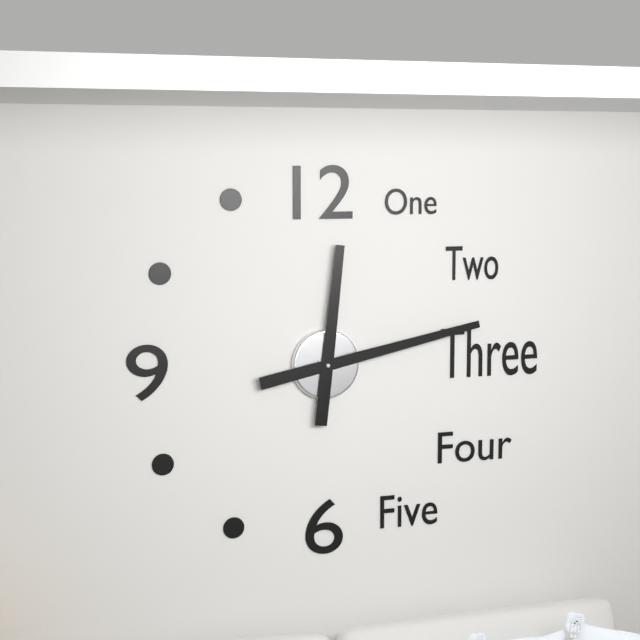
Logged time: 12 h 13 min
